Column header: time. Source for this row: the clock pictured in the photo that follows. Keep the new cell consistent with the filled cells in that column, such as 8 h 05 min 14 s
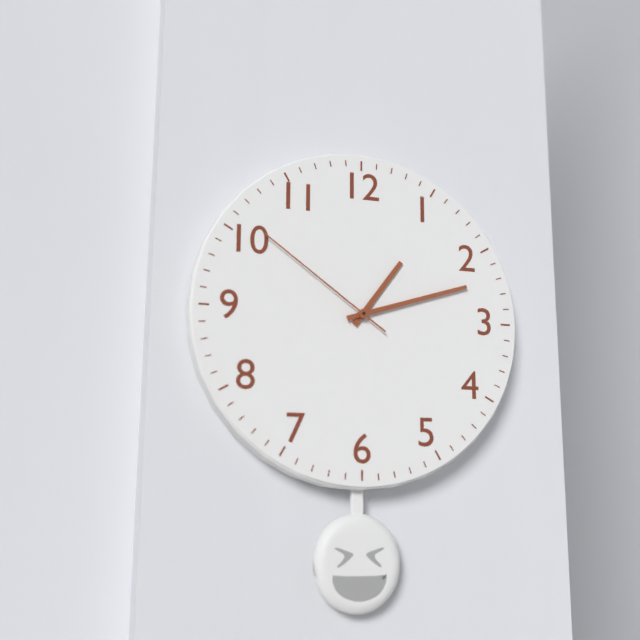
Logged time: 1 h 12 min 51 s
